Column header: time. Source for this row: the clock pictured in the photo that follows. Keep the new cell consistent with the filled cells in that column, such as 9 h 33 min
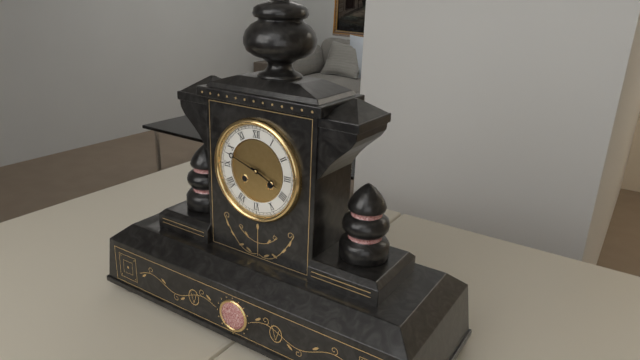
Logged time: 3 h 48 min
